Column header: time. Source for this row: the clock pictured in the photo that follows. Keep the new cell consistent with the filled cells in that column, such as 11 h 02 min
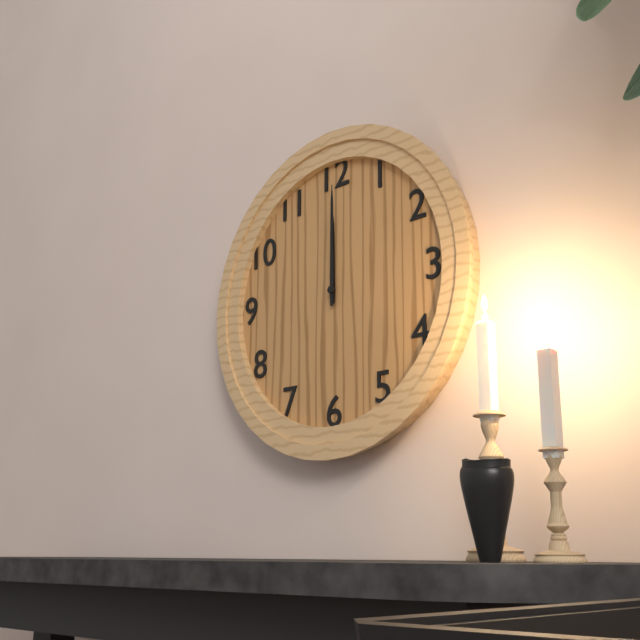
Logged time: 12 h 00 min
